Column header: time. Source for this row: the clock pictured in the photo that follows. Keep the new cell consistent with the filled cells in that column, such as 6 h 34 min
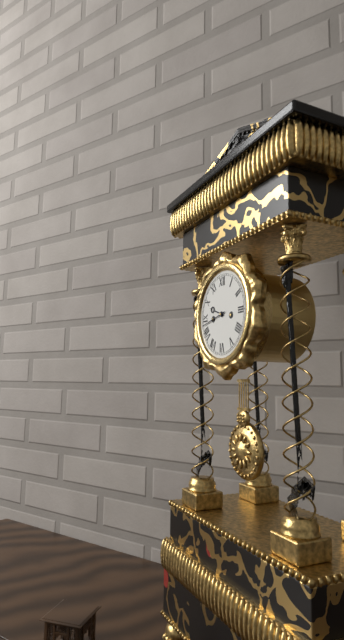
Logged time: 9 h 43 min
